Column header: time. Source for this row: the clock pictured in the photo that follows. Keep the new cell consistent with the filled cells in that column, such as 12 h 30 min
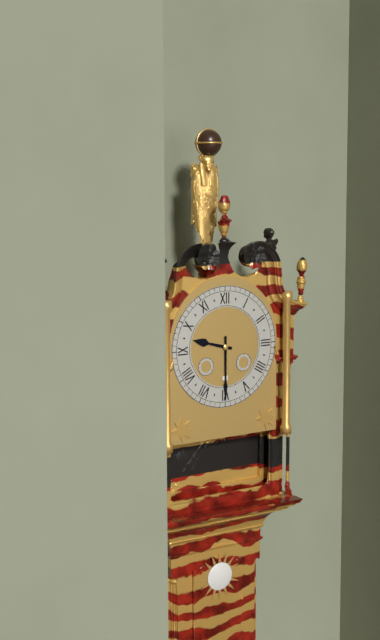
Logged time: 9 h 30 min
